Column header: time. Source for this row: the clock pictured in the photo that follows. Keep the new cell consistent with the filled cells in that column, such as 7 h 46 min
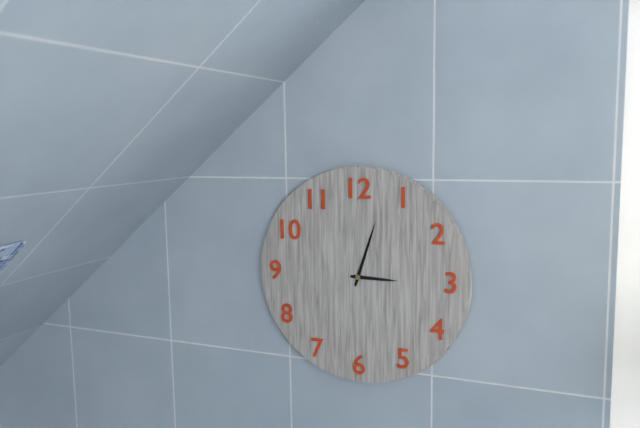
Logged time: 3 h 03 min
